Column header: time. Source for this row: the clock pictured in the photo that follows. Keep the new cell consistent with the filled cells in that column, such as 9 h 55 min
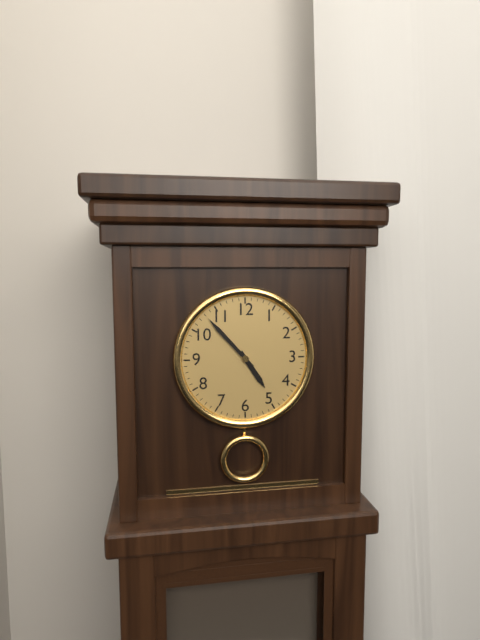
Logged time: 4 h 53 min
